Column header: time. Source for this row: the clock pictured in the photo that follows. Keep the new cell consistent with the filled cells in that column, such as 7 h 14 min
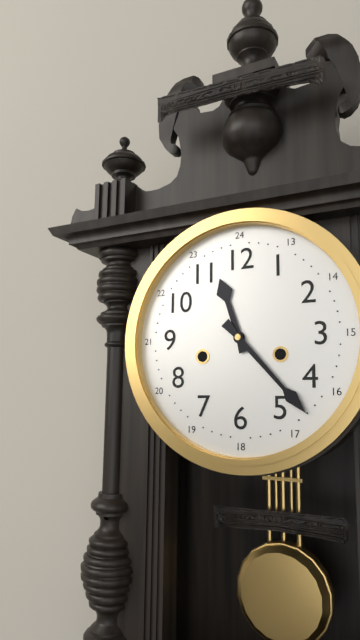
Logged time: 11 h 23 min
